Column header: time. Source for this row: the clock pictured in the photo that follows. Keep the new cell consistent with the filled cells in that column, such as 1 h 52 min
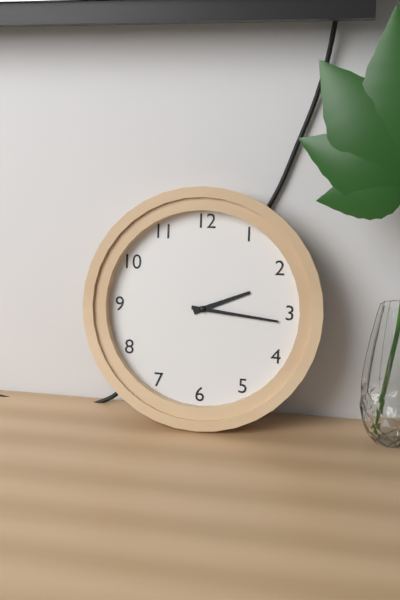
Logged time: 2 h 16 min
